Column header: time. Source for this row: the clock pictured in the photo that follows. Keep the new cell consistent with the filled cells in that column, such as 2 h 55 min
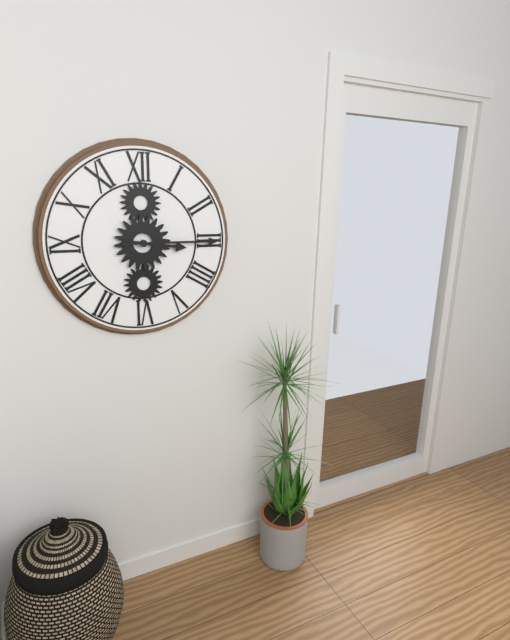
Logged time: 3 h 15 min
